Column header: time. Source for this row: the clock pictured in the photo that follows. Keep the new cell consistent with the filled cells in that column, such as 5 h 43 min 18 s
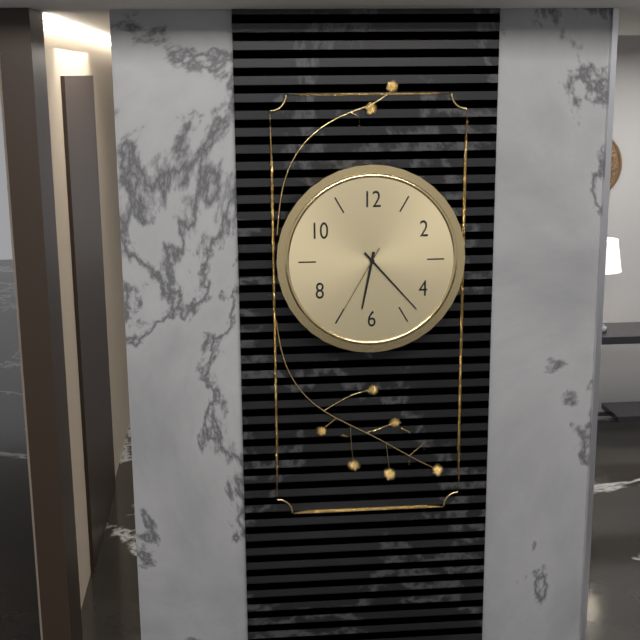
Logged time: 6 h 23 min 35 s
